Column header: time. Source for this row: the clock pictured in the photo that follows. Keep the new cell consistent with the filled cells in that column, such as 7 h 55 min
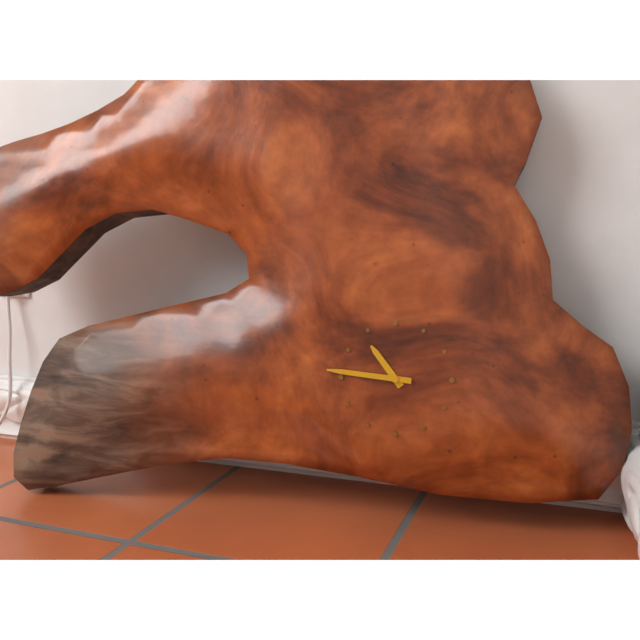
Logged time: 10 h 46 min
